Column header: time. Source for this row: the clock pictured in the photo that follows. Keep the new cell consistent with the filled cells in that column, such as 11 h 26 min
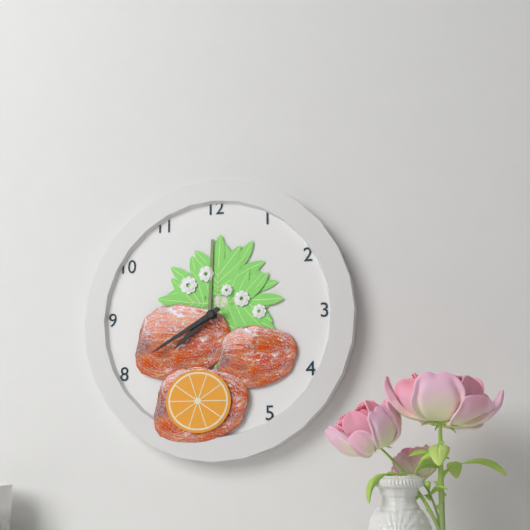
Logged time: 7 h 40 min
